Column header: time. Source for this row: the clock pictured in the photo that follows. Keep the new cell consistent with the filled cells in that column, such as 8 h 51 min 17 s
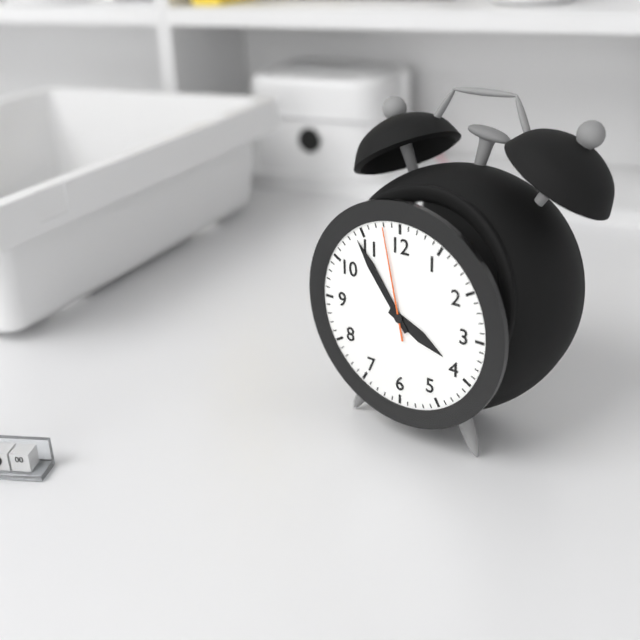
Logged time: 3 h 54 min 58 s
